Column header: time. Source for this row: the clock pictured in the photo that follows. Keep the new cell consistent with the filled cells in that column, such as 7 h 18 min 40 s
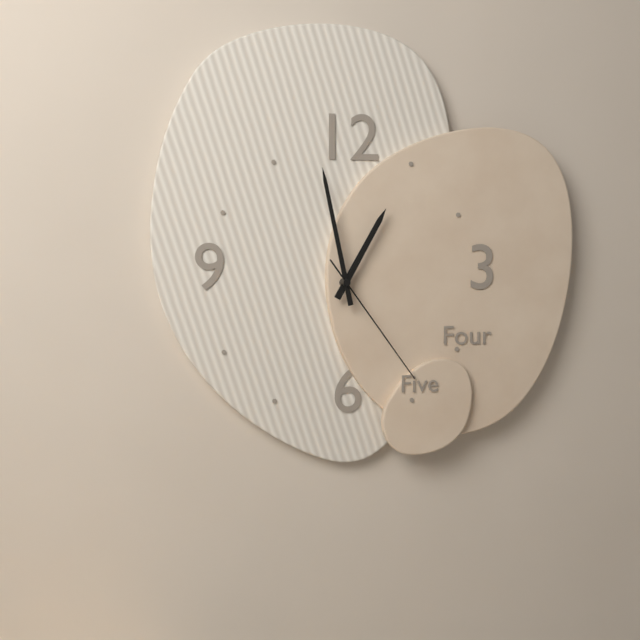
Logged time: 12 h 58 min 24 s
